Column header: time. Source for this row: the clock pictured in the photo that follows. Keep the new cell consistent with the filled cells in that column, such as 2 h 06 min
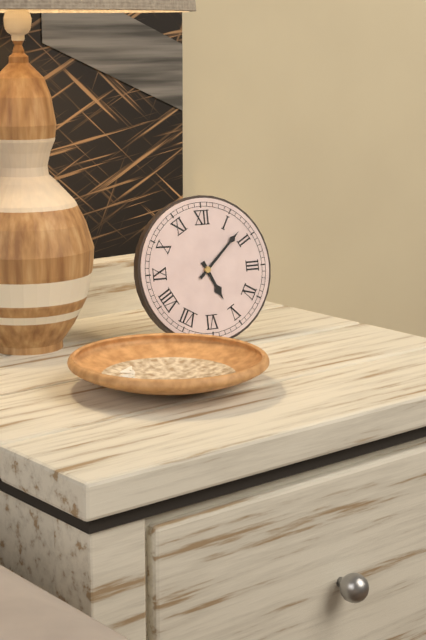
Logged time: 5 h 08 min
